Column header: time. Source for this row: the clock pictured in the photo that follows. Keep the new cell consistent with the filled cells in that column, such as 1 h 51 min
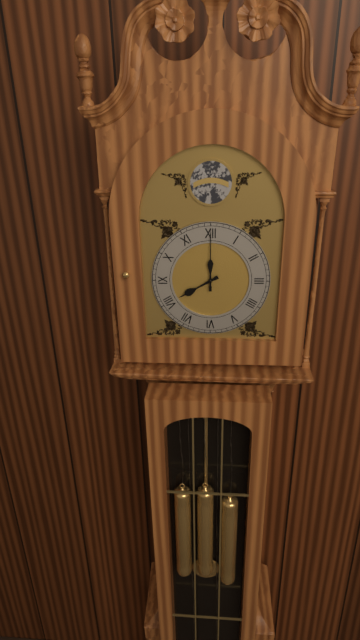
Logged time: 8 h 00 min
